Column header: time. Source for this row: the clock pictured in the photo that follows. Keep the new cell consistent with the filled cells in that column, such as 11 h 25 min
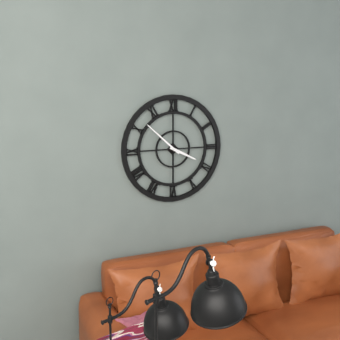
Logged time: 3 h 52 min
